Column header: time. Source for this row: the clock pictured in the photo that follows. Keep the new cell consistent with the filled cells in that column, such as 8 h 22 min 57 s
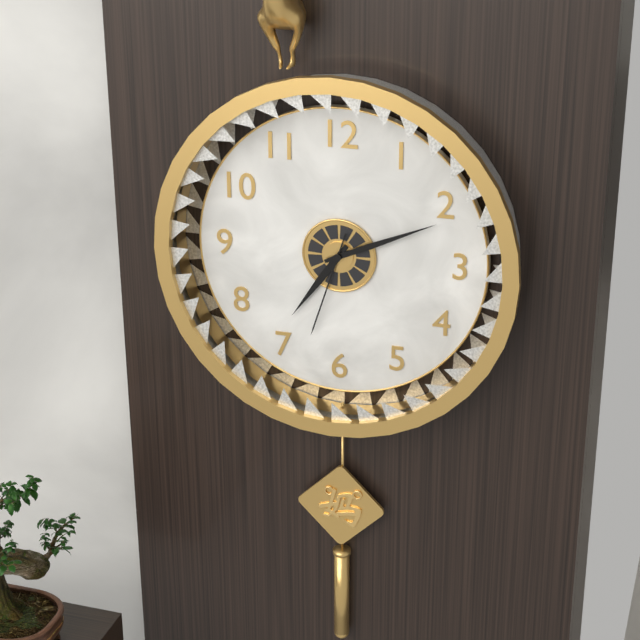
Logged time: 7 h 11 min 33 s
